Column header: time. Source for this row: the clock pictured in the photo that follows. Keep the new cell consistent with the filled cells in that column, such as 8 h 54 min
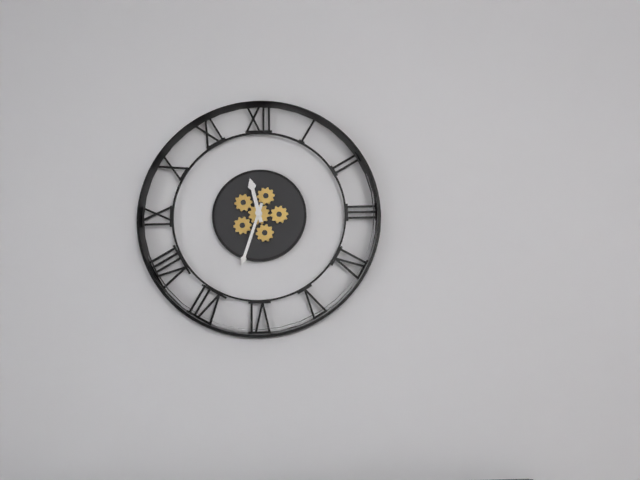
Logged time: 11 h 33 min
